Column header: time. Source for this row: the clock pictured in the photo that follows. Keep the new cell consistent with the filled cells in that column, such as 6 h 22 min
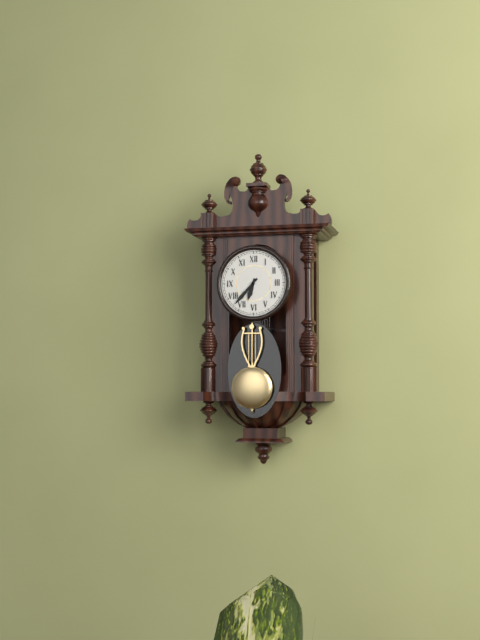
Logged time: 6 h 37 min
